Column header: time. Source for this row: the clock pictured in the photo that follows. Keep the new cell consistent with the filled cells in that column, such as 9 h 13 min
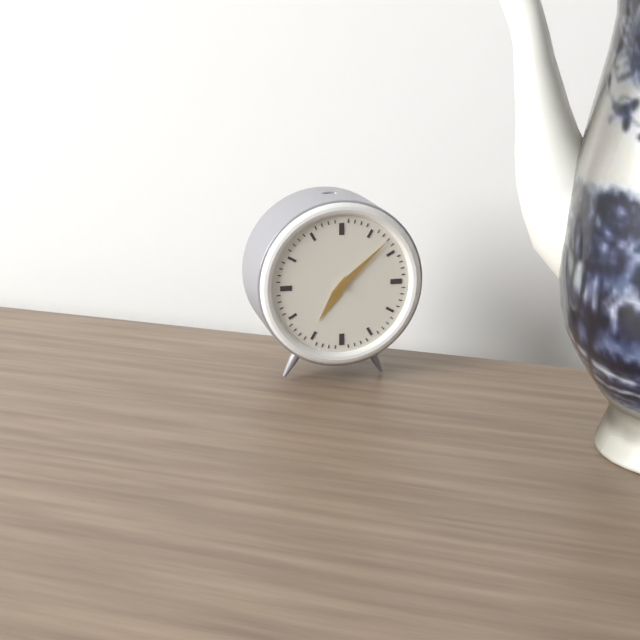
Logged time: 7 h 08 min
